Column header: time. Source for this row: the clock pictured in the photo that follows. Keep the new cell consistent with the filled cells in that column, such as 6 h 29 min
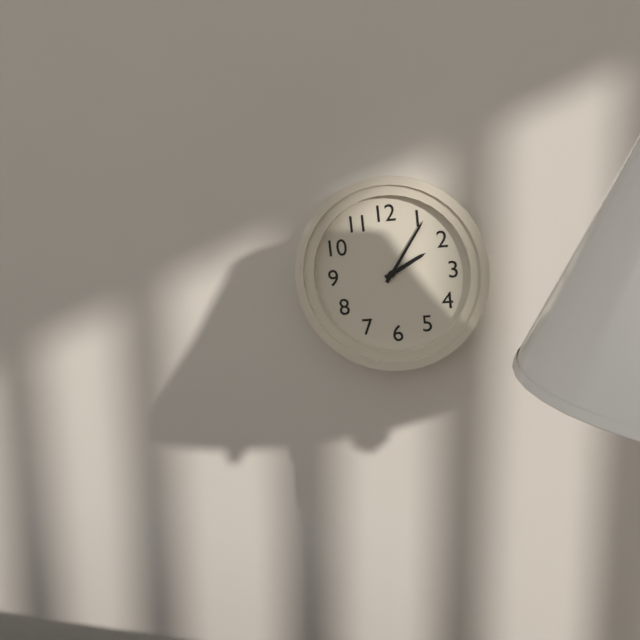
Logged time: 2 h 06 min
